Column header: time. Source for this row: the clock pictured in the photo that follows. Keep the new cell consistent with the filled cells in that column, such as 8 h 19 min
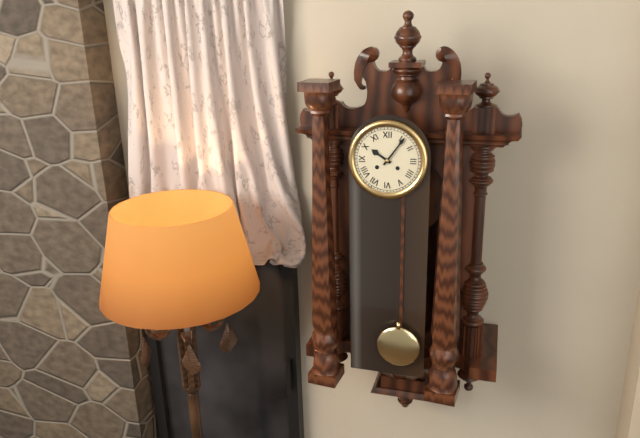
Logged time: 10 h 06 min
